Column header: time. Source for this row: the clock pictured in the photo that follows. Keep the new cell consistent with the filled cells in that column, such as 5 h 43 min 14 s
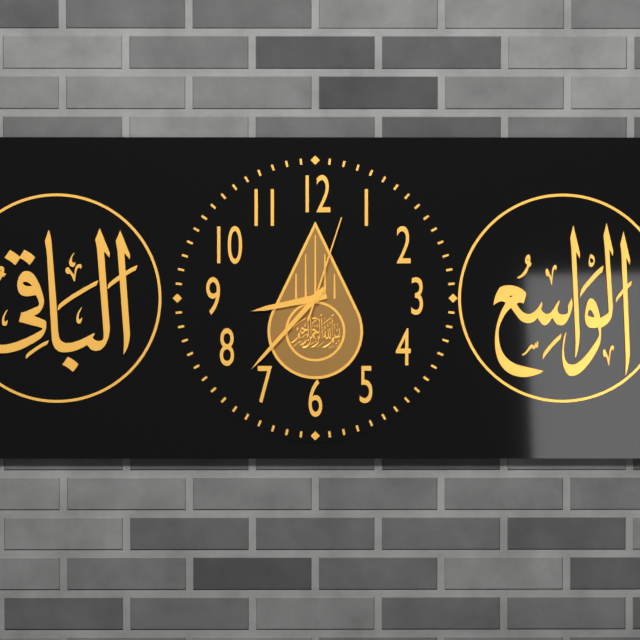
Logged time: 8 h 37 min 03 s
